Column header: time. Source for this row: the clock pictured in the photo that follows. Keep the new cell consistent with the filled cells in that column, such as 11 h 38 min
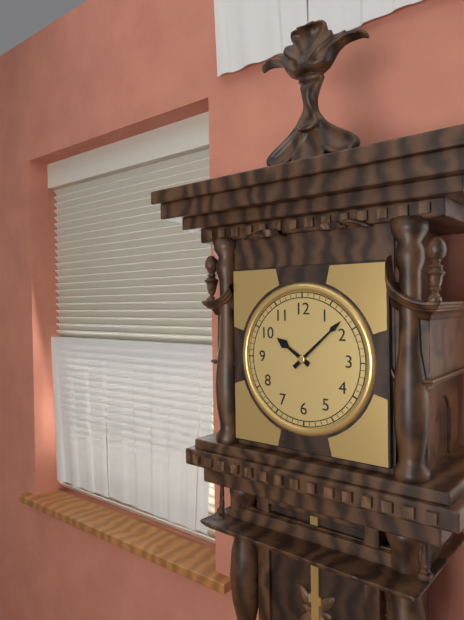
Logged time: 10 h 08 min
